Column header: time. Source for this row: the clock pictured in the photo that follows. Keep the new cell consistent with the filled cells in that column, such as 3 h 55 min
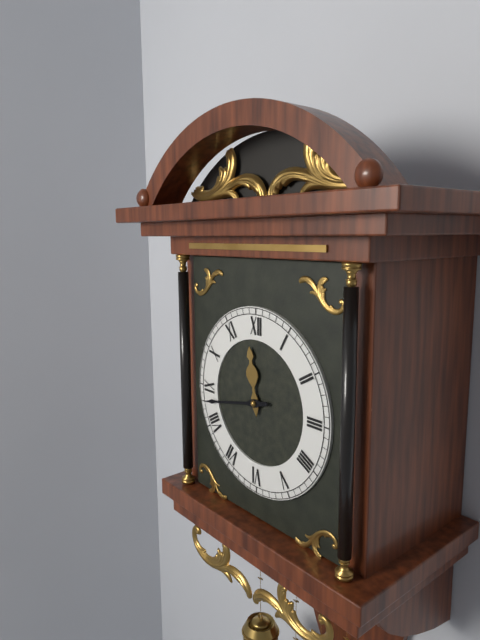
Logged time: 11 h 43 min
